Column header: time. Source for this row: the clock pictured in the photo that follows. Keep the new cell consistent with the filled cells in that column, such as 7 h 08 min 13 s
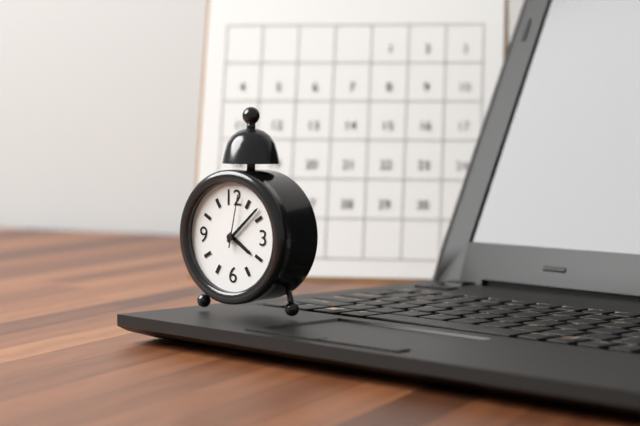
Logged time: 4 h 08 min 02 s
